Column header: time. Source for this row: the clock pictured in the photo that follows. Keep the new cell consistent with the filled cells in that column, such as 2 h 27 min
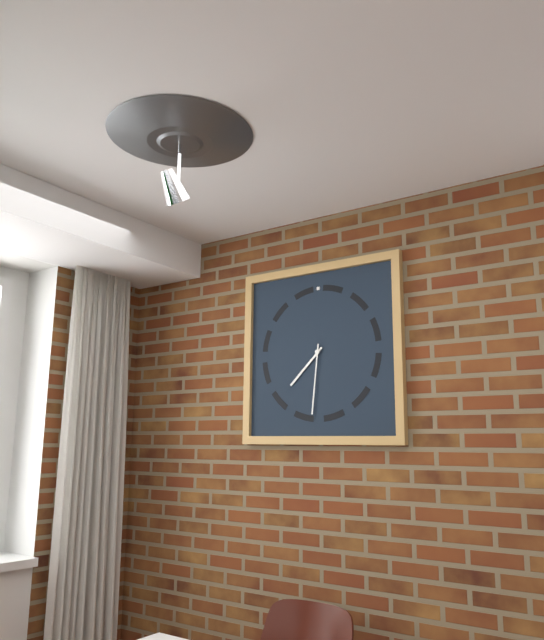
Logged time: 7 h 31 min
